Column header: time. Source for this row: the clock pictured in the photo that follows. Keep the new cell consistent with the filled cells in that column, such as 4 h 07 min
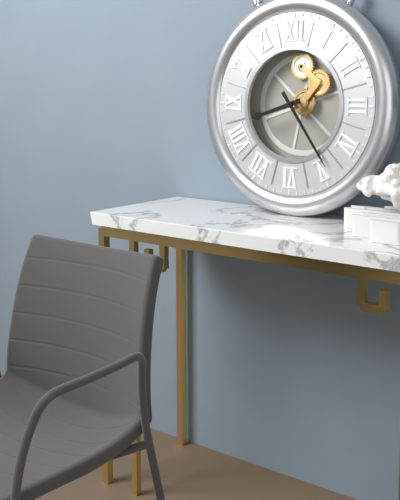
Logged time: 8 h 24 min
